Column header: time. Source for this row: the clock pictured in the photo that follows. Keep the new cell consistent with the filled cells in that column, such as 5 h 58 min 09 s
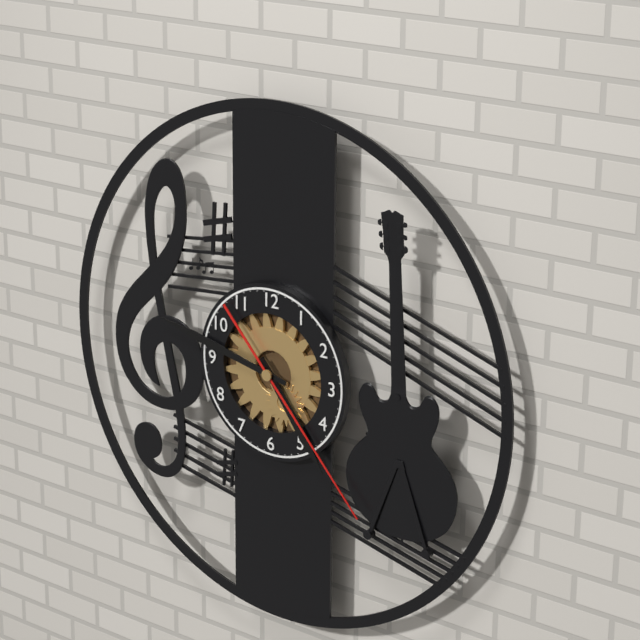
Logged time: 4 h 47 min 23 s
